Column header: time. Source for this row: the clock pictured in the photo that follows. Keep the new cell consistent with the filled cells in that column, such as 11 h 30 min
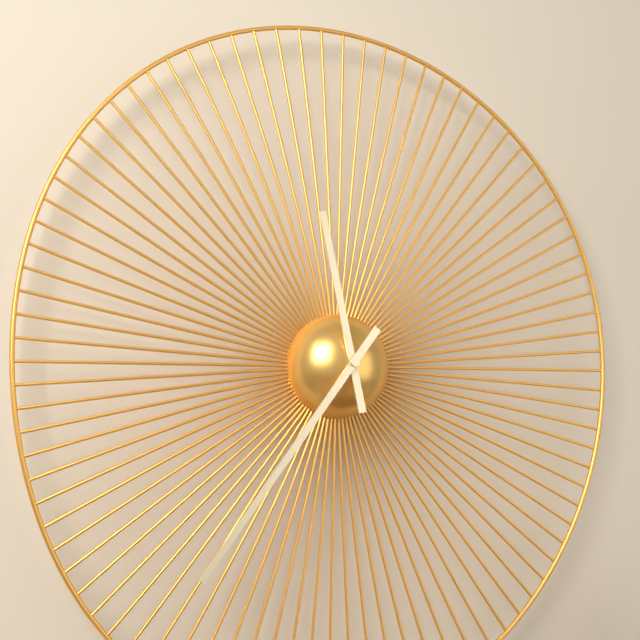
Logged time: 11 h 36 min
